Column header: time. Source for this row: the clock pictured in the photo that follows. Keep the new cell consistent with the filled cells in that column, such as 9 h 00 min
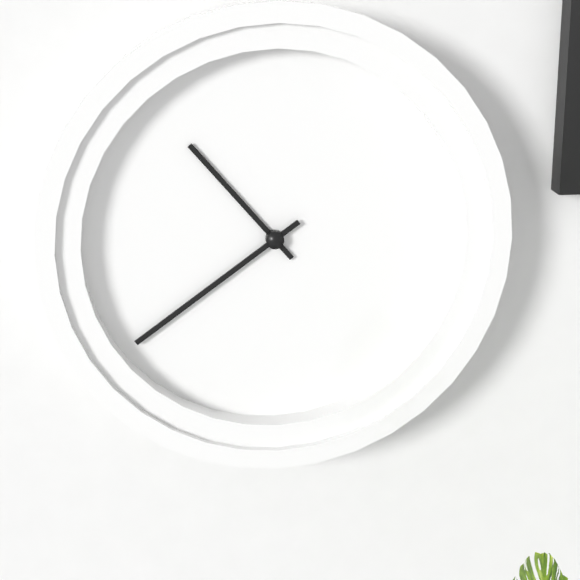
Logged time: 10 h 39 min
